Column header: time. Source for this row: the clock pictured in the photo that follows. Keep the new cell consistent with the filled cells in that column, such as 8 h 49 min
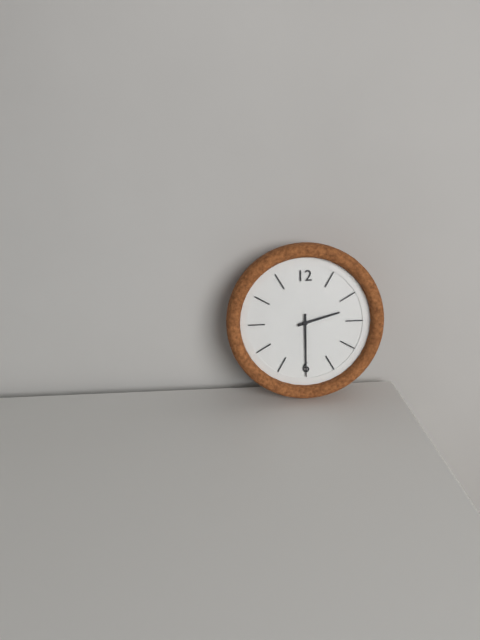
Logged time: 2 h 30 min
